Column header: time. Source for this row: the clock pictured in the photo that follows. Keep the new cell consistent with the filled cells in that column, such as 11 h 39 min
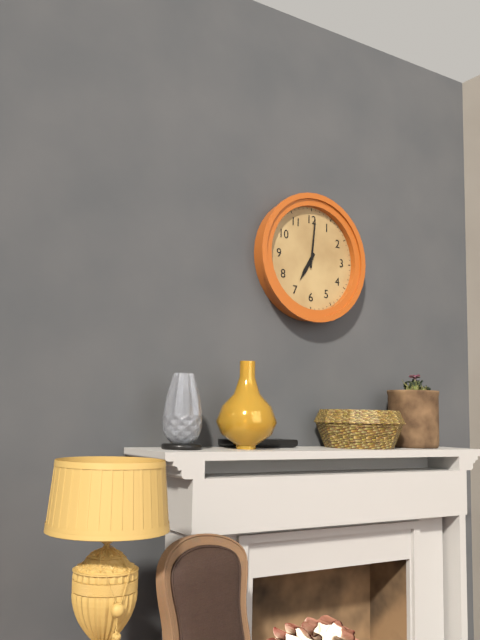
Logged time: 7 h 01 min
